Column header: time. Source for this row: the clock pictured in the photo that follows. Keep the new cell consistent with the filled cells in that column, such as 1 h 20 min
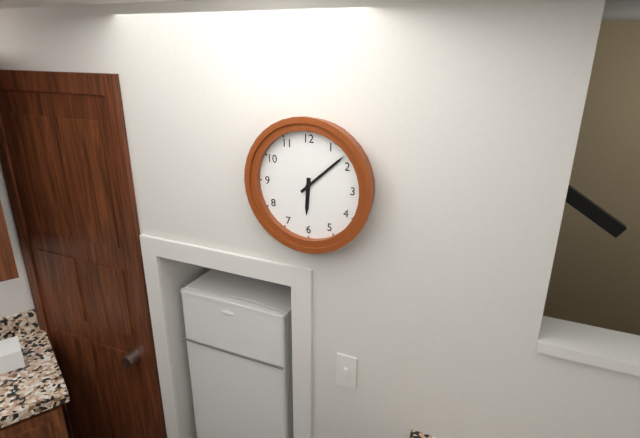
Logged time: 6 h 08 min
